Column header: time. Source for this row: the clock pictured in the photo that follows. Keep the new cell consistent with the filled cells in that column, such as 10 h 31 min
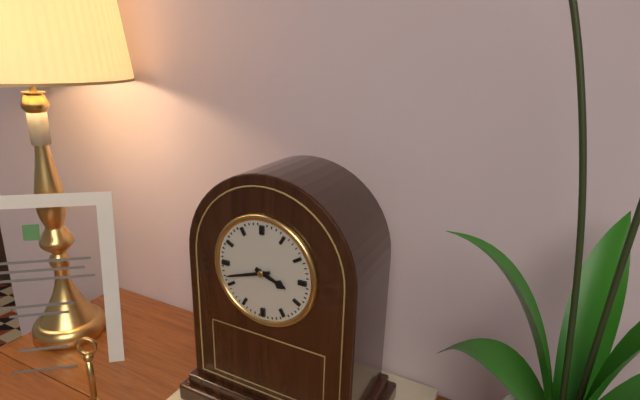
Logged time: 3 h 42 min
